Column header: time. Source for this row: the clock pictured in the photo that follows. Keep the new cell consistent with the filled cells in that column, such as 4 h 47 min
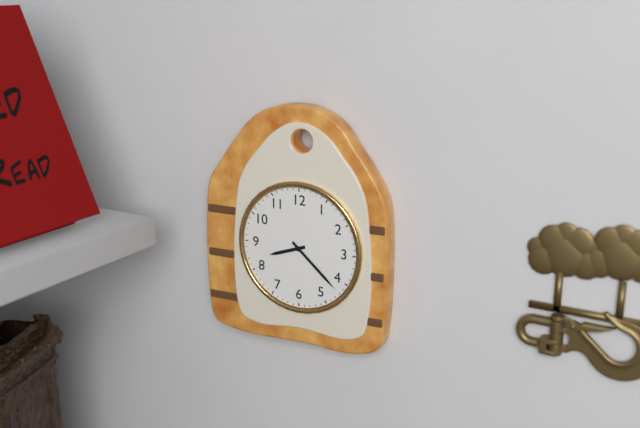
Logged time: 8 h 22 min
